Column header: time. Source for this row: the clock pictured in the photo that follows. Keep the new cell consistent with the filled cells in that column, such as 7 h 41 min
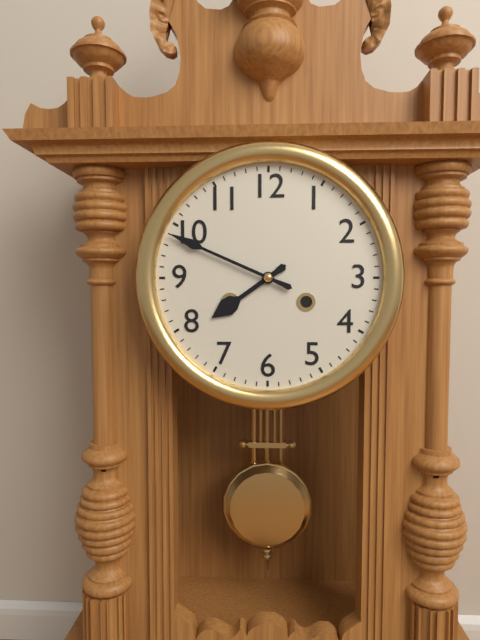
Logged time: 7 h 49 min
